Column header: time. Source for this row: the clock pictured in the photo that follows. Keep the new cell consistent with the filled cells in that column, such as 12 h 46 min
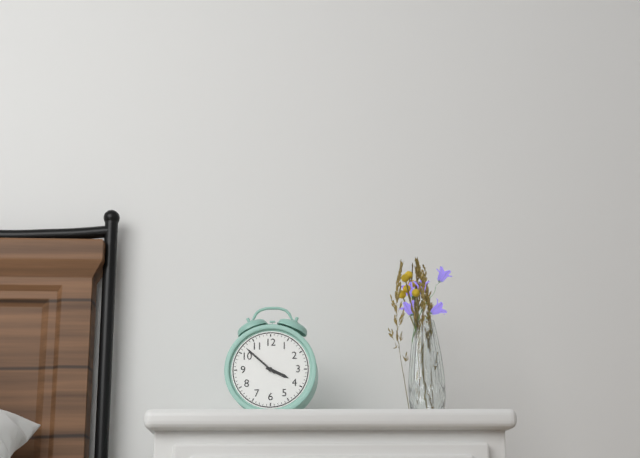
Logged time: 3 h 52 min
